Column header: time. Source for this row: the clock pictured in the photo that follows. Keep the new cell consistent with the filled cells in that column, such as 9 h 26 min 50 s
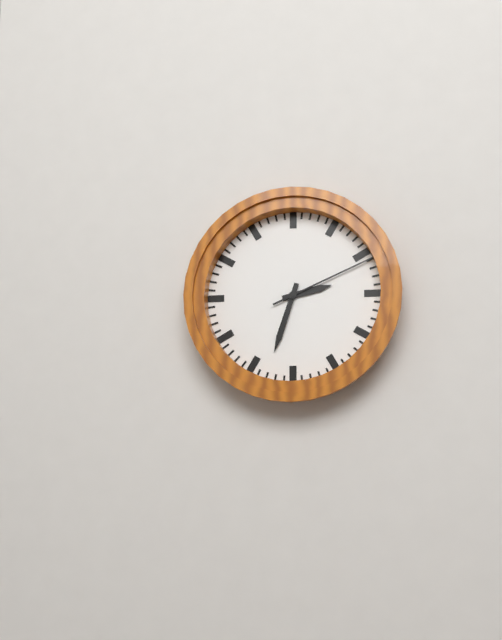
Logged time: 2 h 33 min 11 s
